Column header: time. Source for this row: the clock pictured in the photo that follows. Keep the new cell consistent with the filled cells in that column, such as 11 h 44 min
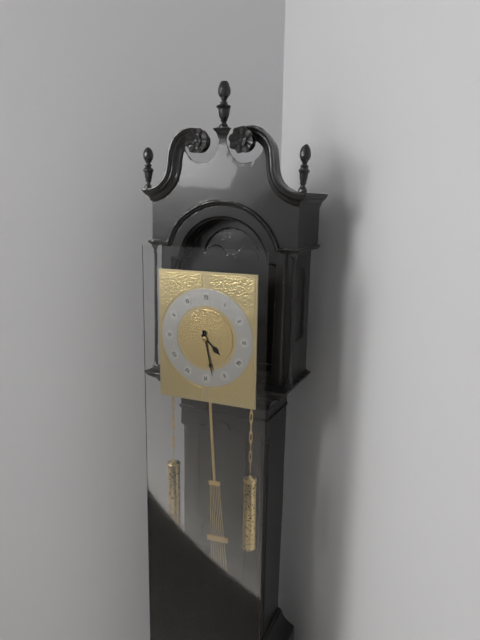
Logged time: 4 h 28 min
